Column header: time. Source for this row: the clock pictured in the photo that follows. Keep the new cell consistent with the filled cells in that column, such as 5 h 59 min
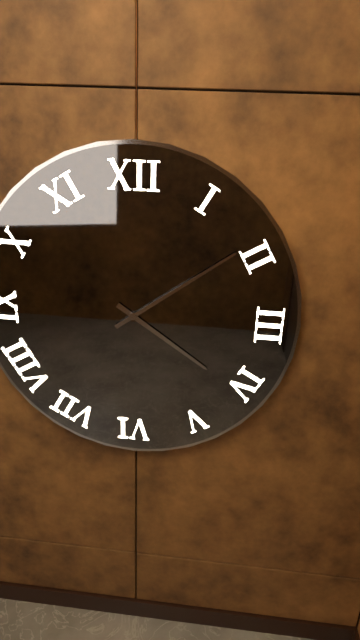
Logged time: 4 h 09 min
